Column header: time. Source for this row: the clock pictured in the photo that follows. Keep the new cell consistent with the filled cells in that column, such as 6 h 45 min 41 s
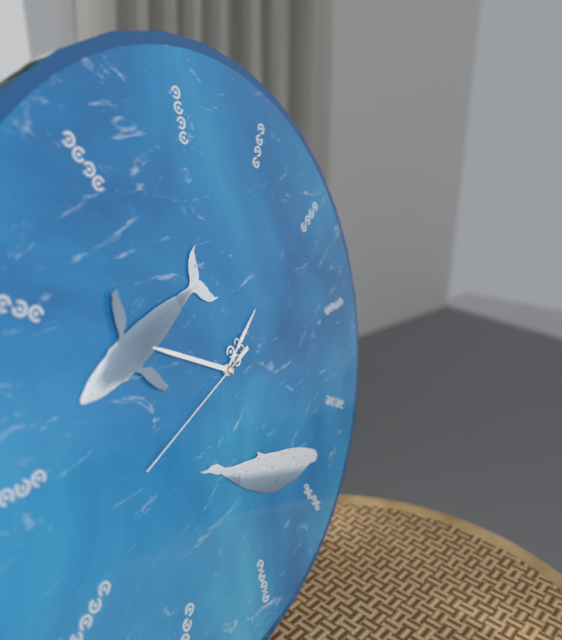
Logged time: 1 h 50 min 42 s
